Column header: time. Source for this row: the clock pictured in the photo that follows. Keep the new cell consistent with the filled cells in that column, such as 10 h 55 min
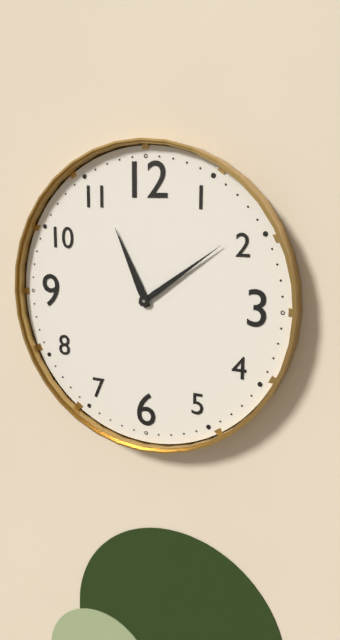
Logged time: 11 h 09 min
